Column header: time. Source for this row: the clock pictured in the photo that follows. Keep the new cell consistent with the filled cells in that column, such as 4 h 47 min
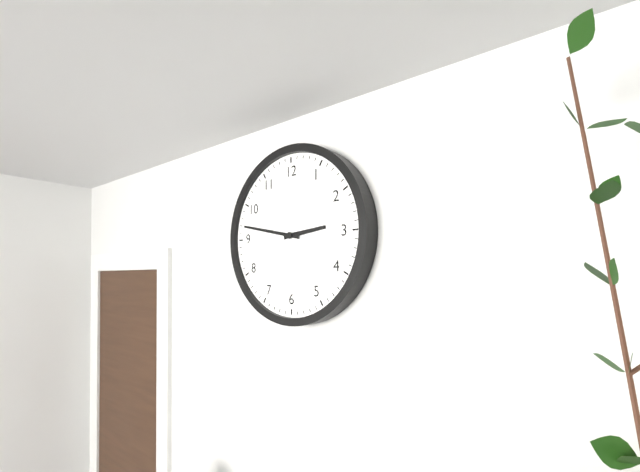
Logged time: 2 h 47 min
